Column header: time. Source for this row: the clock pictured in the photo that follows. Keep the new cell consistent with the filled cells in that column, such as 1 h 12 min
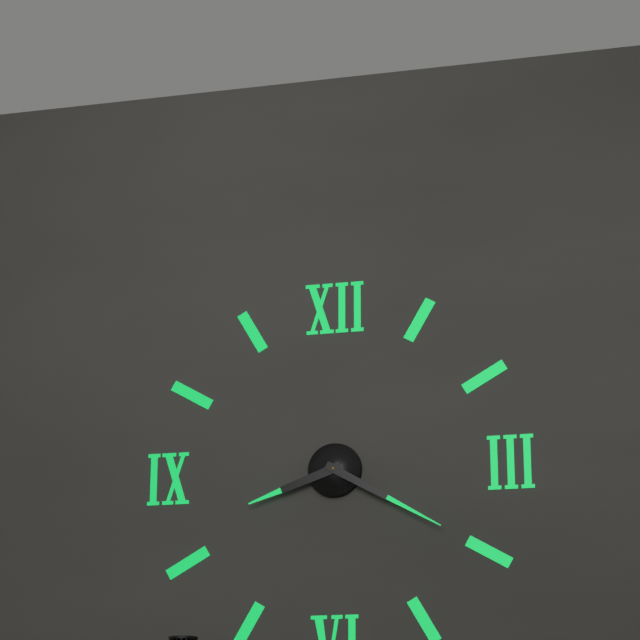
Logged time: 8 h 20 min
